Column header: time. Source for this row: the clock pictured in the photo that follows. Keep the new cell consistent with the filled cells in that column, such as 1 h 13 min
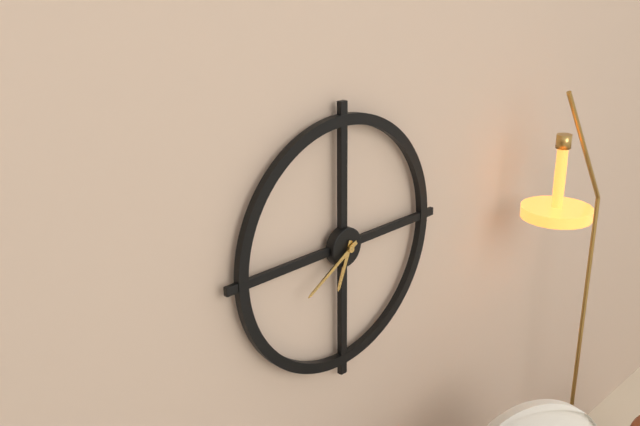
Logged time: 6 h 40 min
